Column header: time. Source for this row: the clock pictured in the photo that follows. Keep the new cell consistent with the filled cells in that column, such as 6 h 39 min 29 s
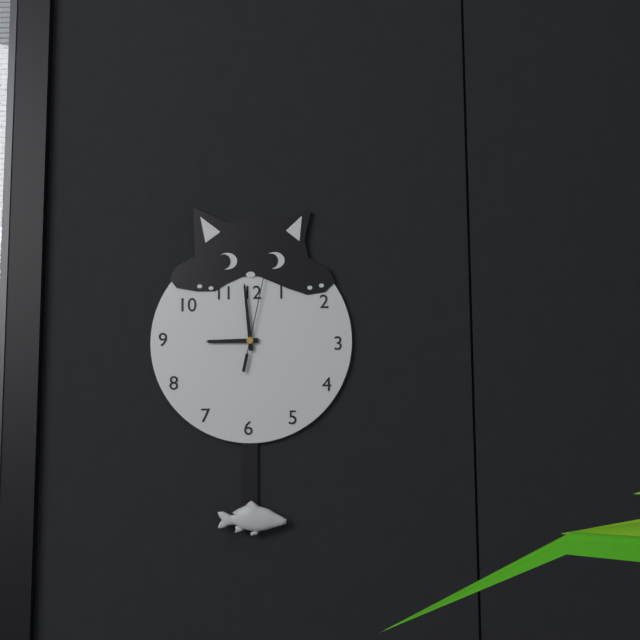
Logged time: 8 h 59 min 02 s
